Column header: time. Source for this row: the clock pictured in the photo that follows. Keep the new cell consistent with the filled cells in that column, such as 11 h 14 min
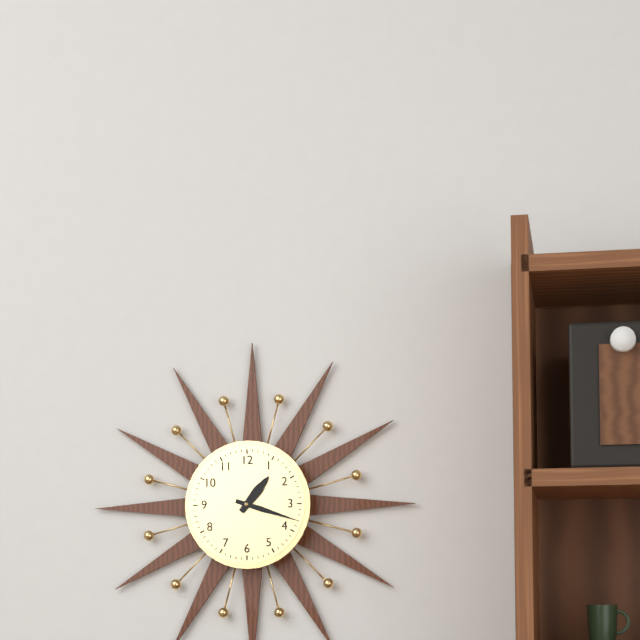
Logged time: 1 h 18 min
